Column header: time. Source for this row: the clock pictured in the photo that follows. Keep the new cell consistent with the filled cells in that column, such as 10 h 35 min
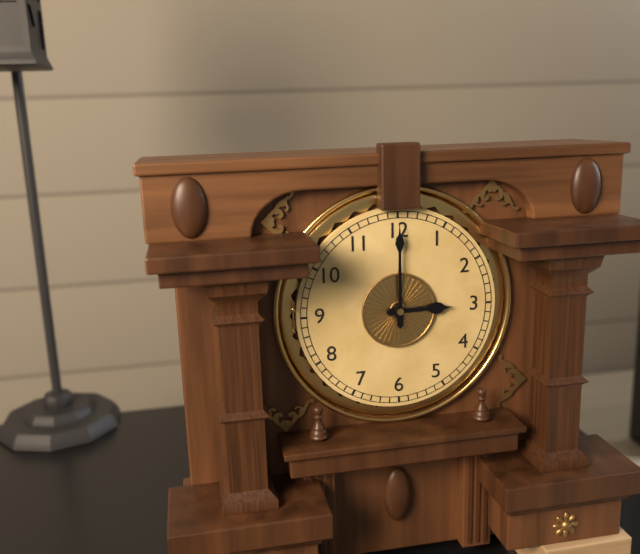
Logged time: 3 h 00 min
